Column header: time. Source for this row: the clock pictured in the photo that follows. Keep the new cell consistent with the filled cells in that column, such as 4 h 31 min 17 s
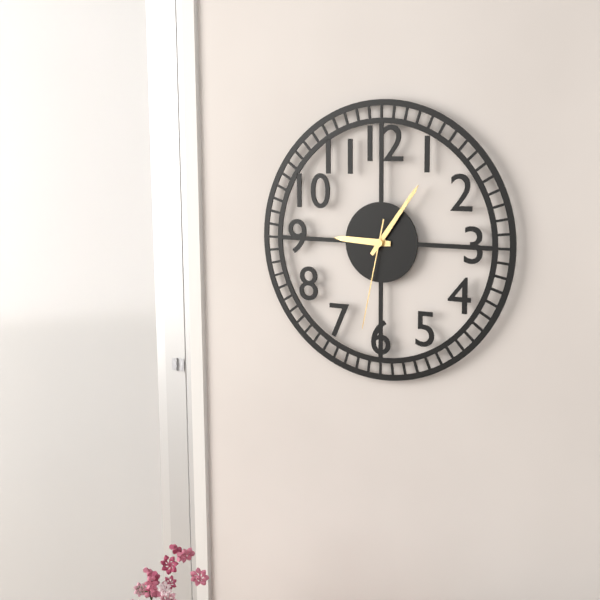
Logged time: 9 h 06 min 32 s
